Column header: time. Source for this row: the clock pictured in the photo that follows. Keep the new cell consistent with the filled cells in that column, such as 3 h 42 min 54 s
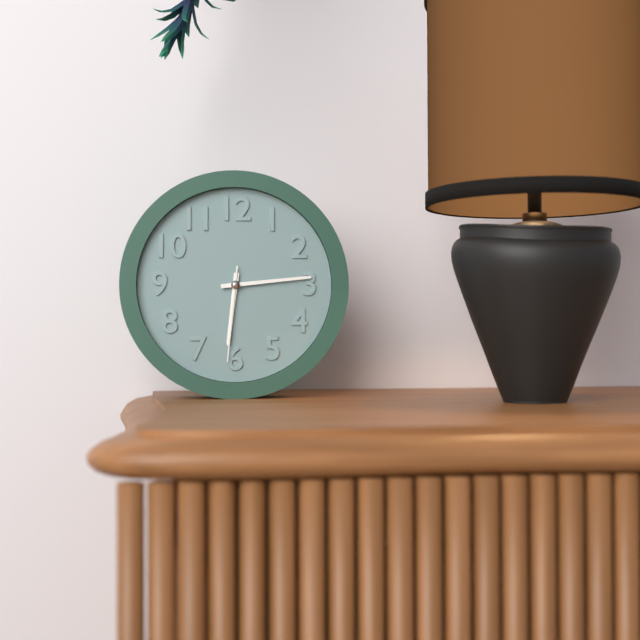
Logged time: 6 h 14 min 31 s
